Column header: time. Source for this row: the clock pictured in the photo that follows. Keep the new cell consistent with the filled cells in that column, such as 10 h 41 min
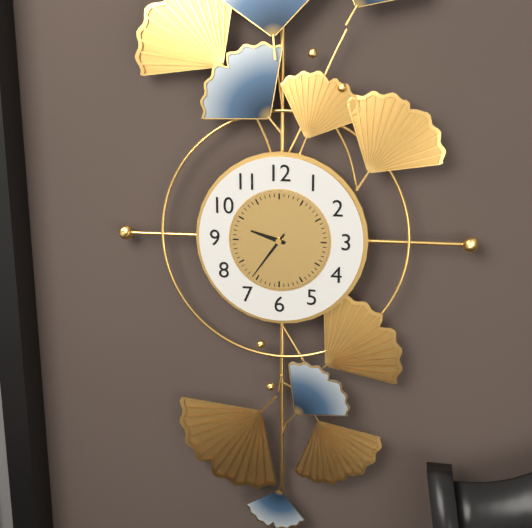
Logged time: 9 h 36 min
